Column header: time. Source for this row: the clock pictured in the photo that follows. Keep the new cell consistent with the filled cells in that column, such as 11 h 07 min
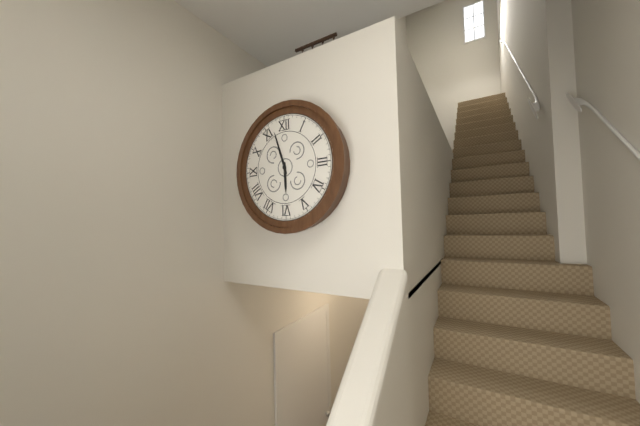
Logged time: 5 h 57 min
